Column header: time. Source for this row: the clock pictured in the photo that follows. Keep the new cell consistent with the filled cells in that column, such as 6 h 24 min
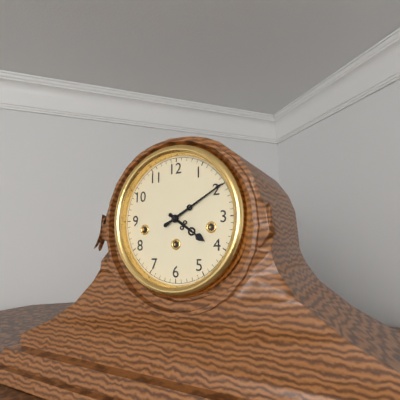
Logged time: 4 h 10 min
